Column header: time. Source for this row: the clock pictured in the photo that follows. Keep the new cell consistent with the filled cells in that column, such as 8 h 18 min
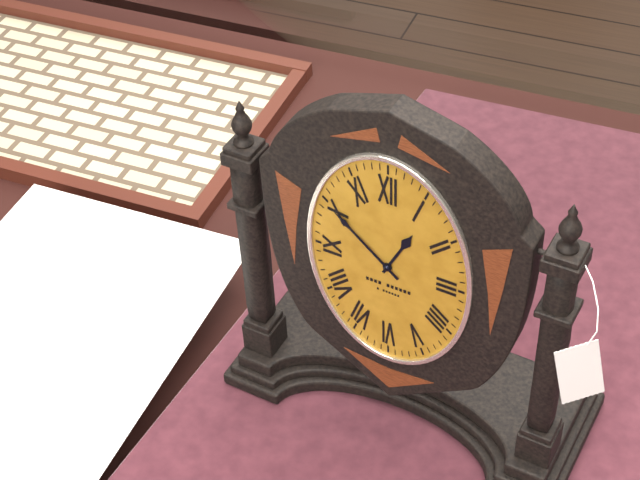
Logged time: 12 h 52 min
